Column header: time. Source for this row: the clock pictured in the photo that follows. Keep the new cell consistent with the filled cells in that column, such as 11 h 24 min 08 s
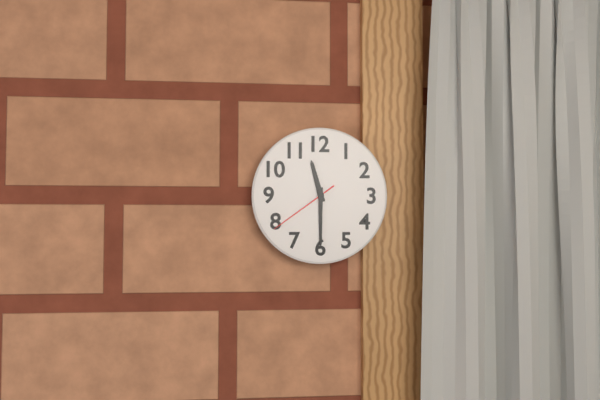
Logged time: 11 h 30 min 39 s
